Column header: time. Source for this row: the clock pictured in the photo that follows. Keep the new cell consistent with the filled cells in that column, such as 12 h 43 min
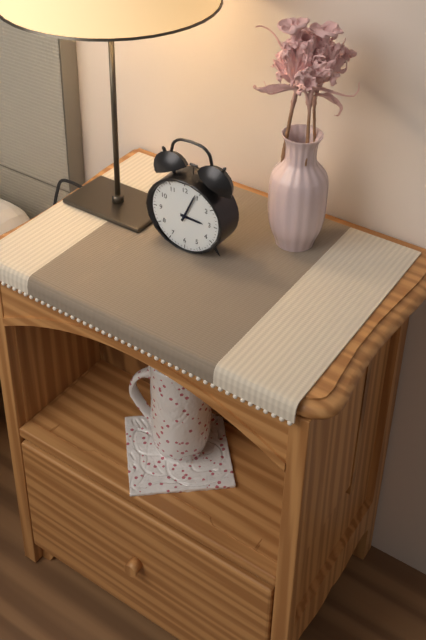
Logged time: 3 h 04 min
